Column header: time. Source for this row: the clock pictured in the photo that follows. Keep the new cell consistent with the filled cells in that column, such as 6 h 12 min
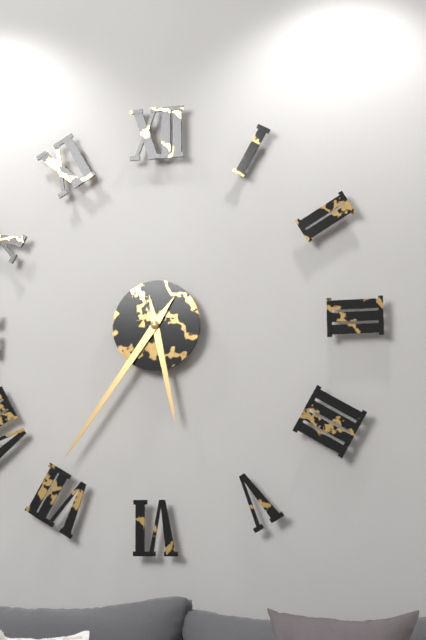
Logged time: 5 h 36 min
